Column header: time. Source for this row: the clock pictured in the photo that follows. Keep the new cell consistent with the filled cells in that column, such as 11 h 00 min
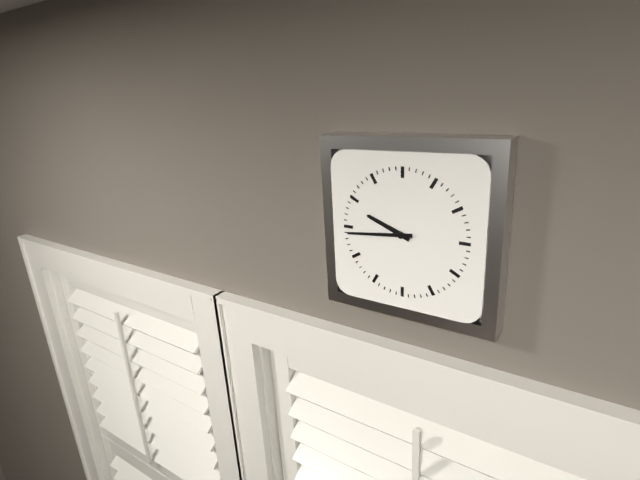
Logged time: 9 h 44 min
